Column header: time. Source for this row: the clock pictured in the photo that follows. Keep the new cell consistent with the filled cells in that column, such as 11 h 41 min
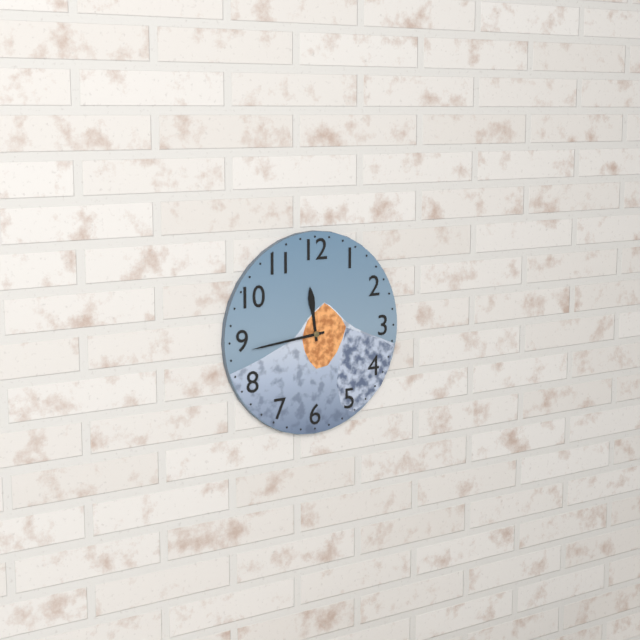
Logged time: 11 h 44 min
